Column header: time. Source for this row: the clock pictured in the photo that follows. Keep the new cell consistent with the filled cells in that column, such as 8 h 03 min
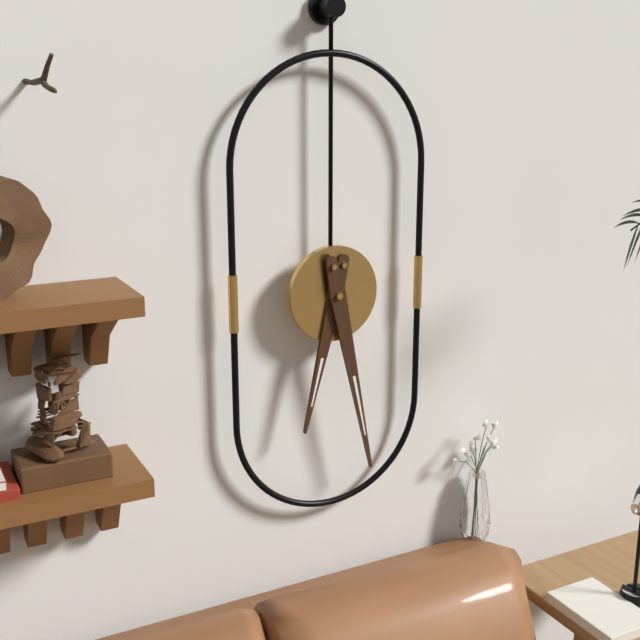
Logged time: 6 h 28 min
